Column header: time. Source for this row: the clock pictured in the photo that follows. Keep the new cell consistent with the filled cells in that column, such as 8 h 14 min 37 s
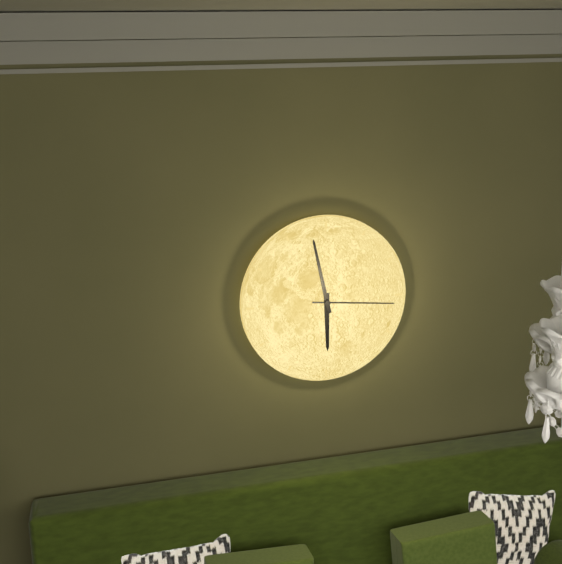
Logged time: 5 h 58 min 16 s
